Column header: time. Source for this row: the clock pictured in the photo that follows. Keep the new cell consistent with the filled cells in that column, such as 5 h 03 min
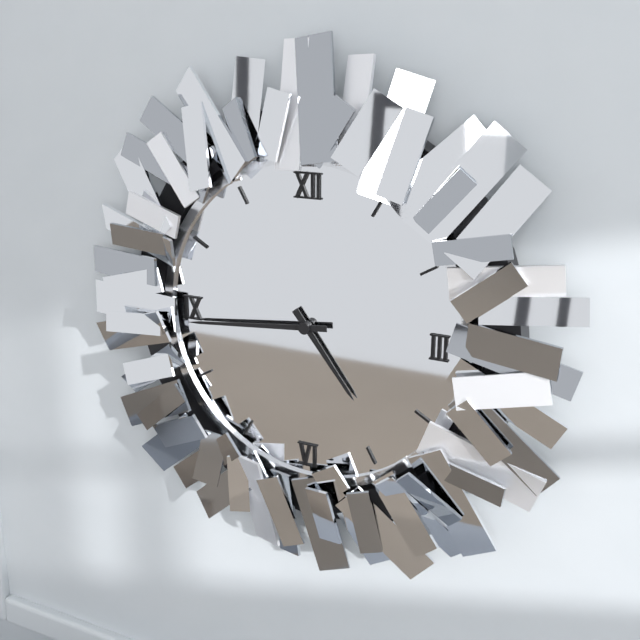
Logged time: 4 h 44 min
